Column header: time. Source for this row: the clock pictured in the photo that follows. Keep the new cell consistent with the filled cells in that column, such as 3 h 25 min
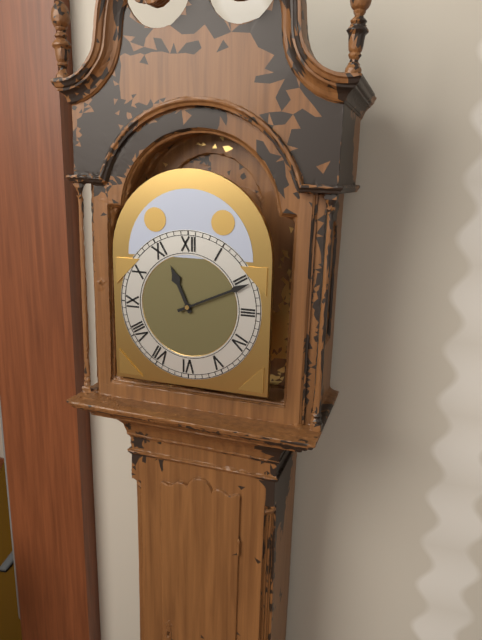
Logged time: 11 h 11 min
